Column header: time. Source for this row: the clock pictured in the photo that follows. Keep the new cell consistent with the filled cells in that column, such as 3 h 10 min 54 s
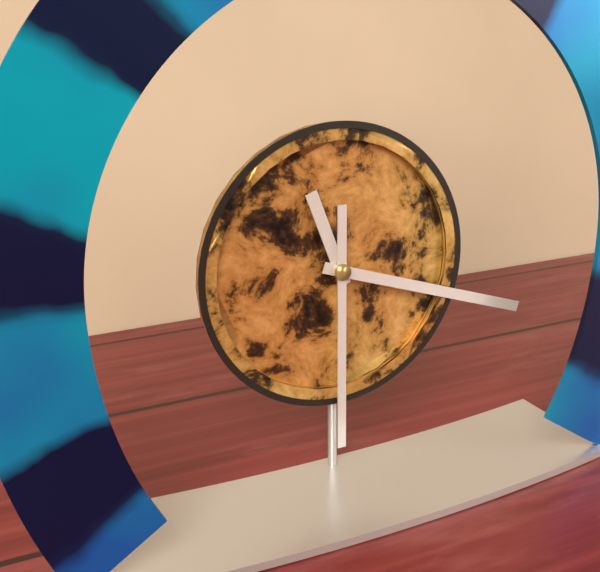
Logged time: 11 h 18 min 30 s
